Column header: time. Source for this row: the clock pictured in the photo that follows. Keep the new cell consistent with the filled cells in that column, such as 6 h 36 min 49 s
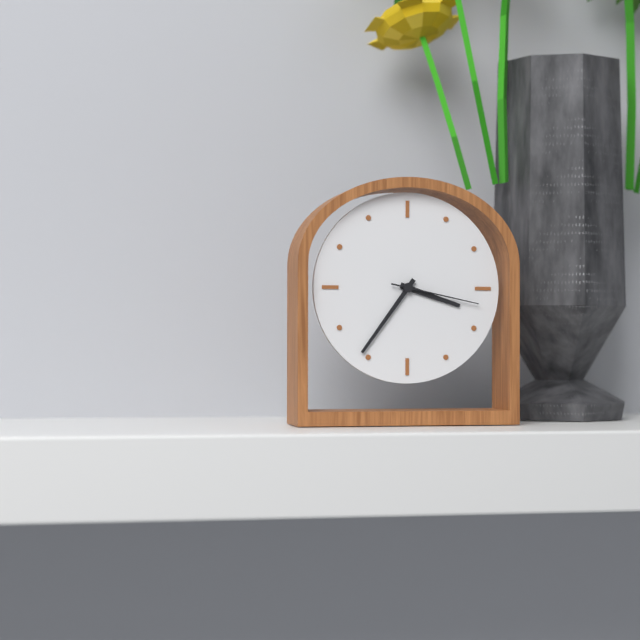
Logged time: 3 h 36 min 17 s
